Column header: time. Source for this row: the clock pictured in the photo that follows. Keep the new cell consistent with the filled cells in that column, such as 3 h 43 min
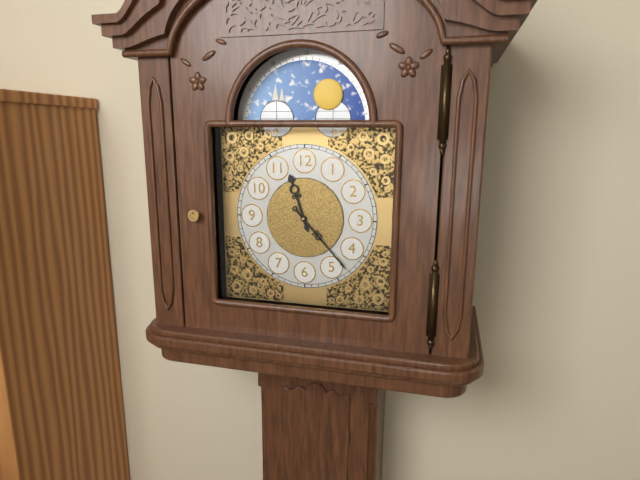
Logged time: 11 h 23 min
